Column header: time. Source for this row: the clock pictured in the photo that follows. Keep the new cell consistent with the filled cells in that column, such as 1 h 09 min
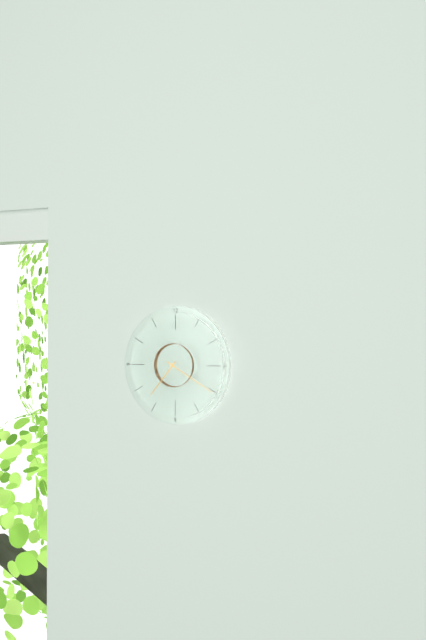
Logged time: 7 h 20 min
